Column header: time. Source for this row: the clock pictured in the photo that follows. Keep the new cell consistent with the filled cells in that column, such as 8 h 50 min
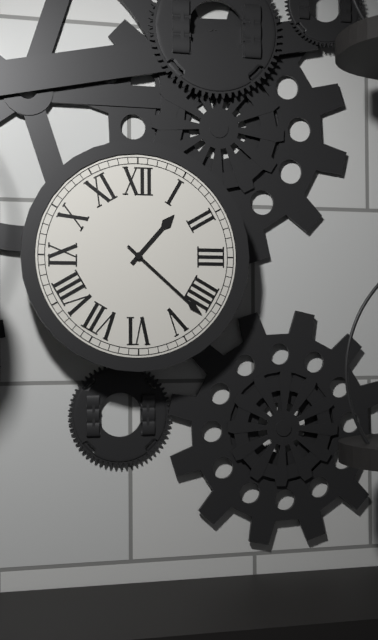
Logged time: 1 h 22 min
